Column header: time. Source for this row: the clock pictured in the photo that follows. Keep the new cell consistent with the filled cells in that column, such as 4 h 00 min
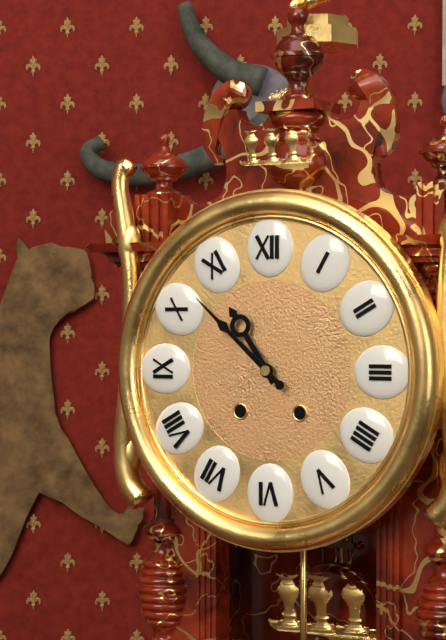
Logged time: 10 h 52 min
